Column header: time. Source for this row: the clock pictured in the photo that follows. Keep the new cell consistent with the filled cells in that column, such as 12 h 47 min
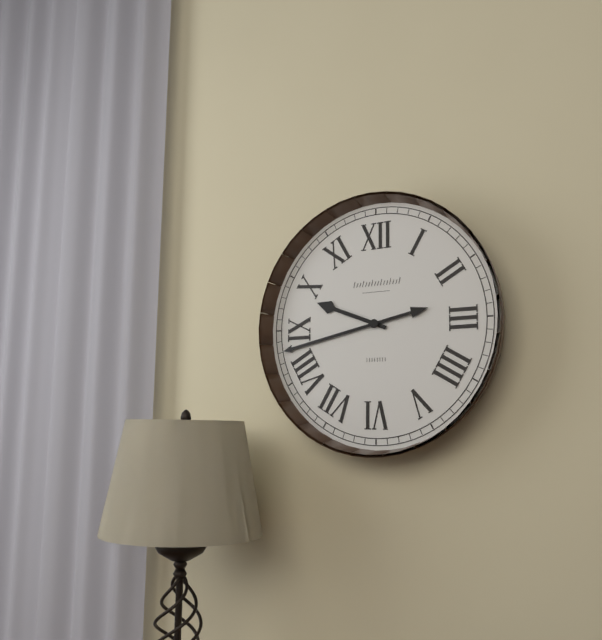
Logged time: 9 h 43 min
